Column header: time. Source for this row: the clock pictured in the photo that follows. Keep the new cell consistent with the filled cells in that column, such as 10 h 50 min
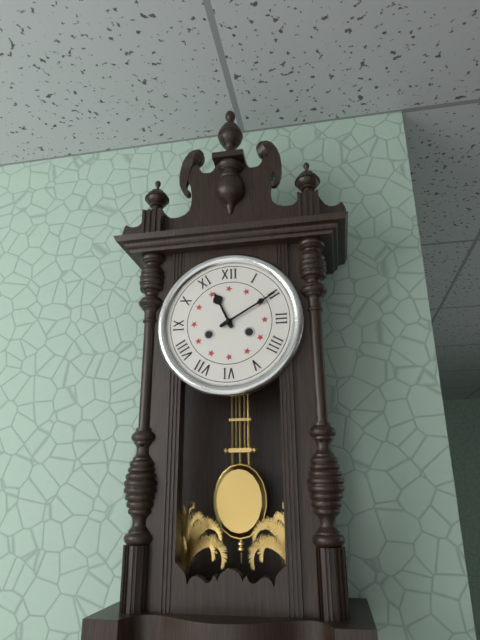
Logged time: 11 h 10 min
